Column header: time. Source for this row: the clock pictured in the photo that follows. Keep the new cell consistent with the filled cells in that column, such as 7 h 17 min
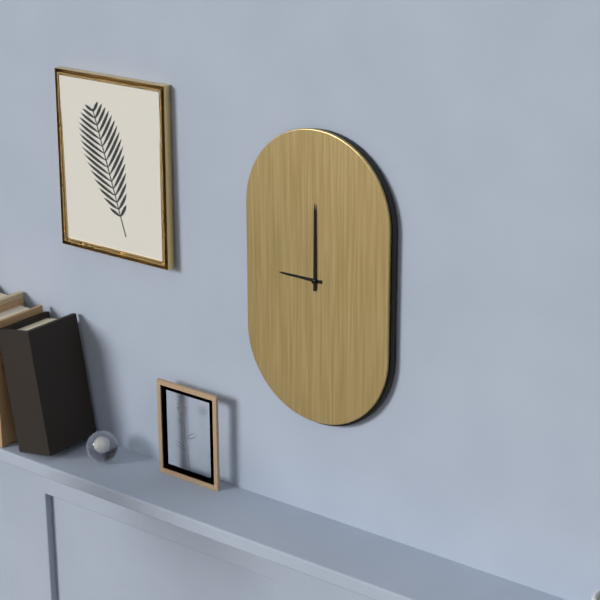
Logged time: 9 h 00 min
